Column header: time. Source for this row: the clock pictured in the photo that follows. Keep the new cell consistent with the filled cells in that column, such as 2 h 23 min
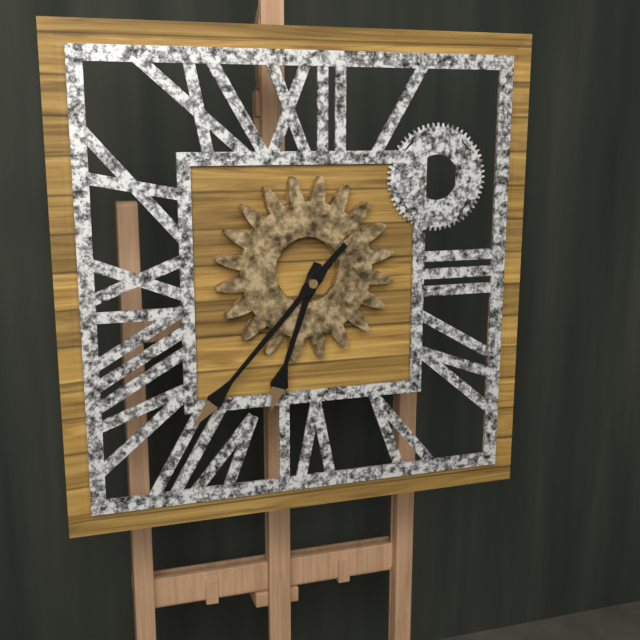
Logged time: 6 h 37 min
